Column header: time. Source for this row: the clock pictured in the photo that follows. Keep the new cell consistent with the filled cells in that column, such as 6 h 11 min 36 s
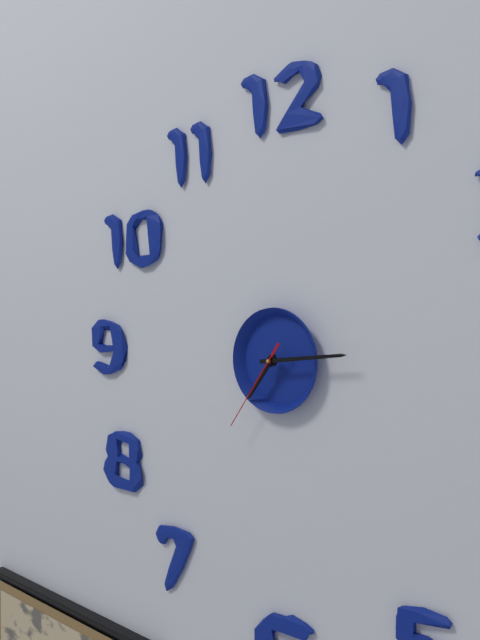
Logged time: 7 h 14 min 36 s
